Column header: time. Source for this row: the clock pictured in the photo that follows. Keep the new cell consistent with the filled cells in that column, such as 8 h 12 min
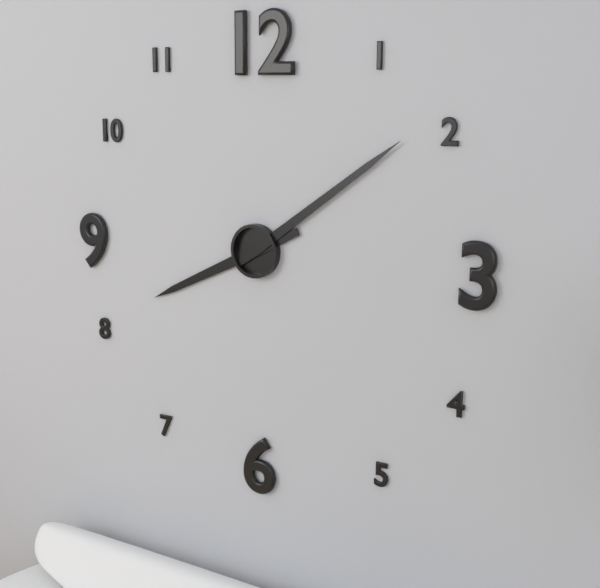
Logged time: 8 h 09 min
